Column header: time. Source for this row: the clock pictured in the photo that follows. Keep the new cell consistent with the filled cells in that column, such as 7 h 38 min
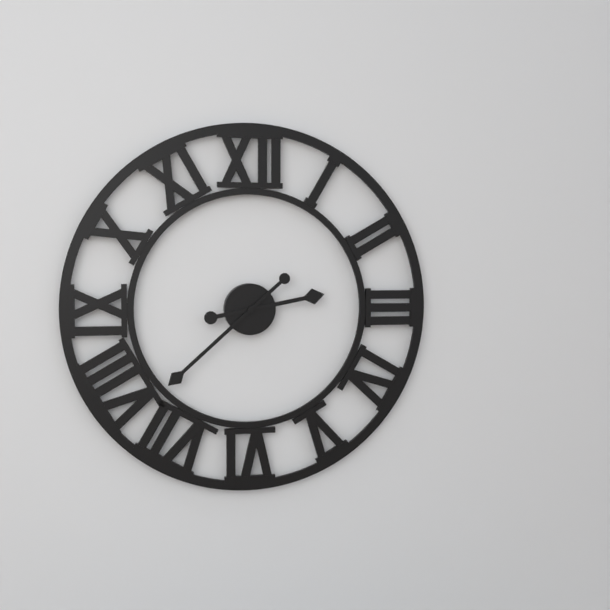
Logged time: 2 h 38 min
